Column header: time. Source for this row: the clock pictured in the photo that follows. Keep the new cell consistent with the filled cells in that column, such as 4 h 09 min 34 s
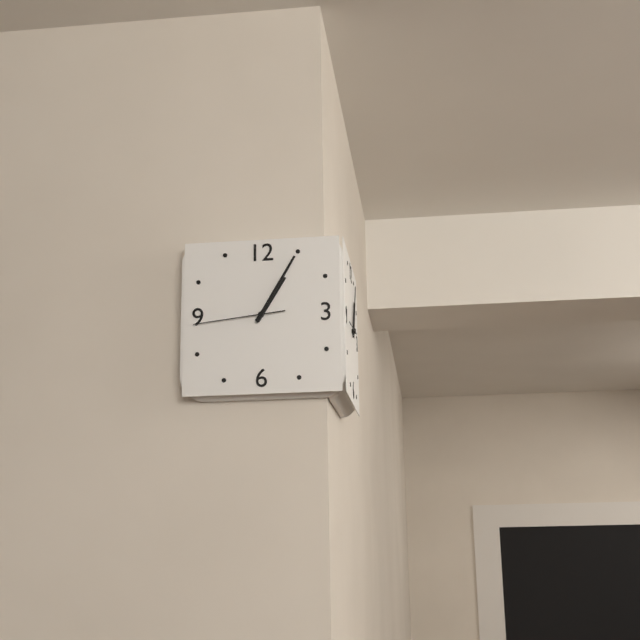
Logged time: 1 h 05 min 44 s
